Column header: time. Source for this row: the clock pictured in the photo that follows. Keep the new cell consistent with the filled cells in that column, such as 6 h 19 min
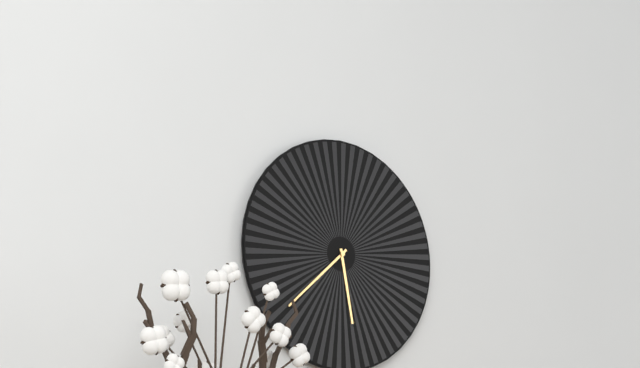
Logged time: 5 h 38 min
